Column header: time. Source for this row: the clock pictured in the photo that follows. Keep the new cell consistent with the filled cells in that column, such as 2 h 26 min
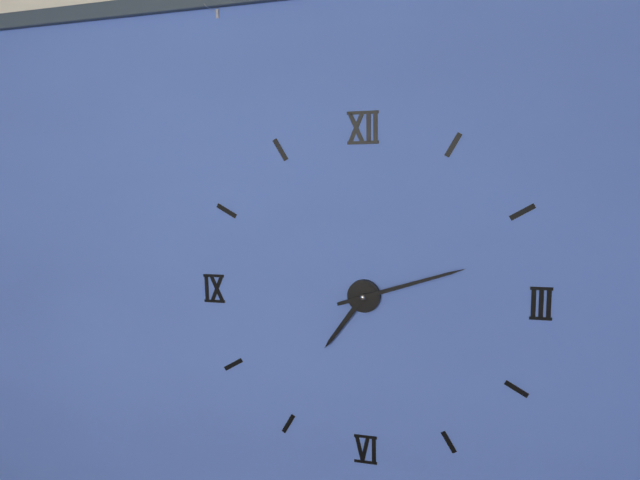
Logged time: 7 h 12 min
